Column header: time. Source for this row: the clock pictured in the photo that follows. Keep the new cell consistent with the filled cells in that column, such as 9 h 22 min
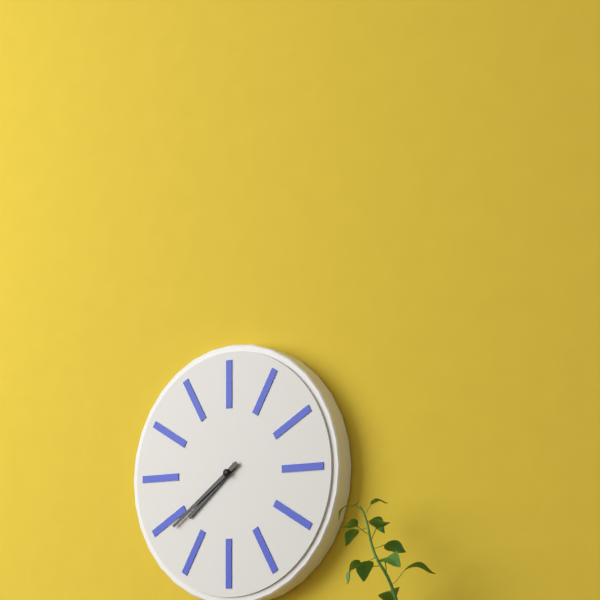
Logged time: 7 h 39 min
